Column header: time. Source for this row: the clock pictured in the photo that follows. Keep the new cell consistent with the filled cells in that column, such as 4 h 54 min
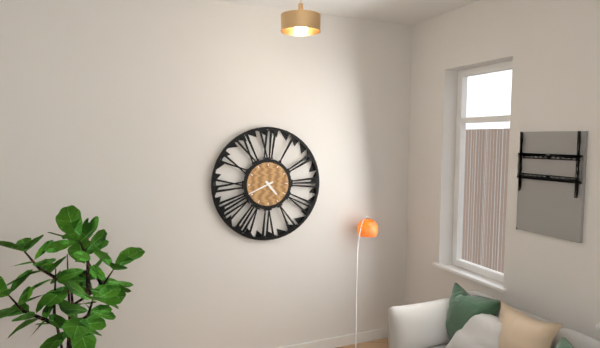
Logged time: 4 h 41 min
